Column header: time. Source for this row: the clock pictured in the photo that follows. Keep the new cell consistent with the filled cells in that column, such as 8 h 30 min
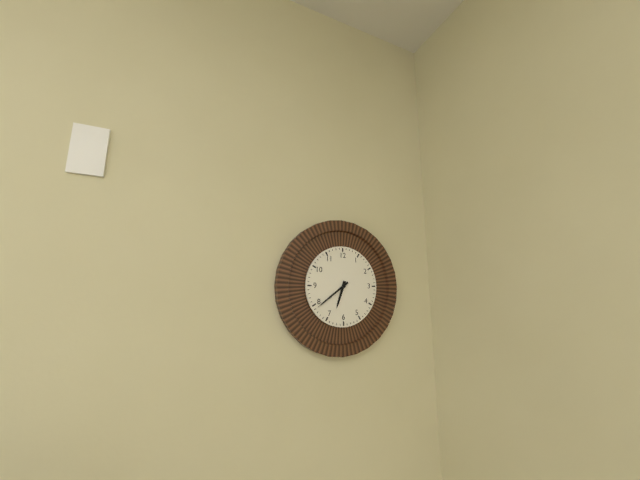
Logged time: 6 h 39 min
